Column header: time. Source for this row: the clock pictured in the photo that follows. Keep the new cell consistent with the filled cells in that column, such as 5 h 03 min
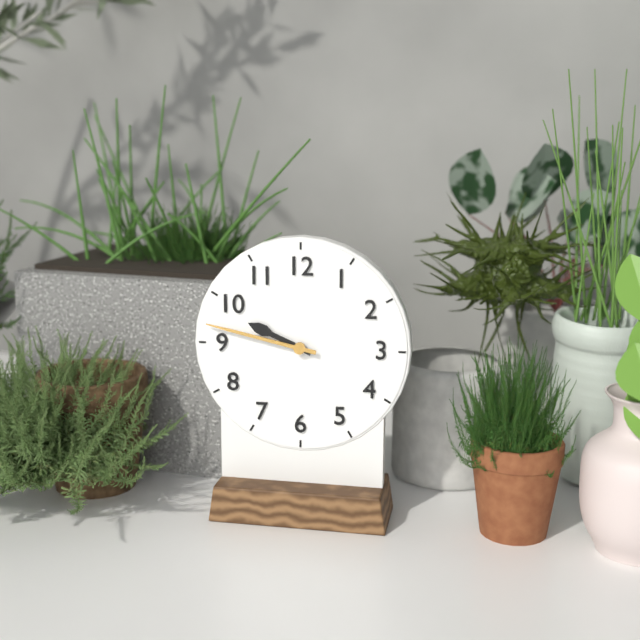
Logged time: 9 h 47 min
